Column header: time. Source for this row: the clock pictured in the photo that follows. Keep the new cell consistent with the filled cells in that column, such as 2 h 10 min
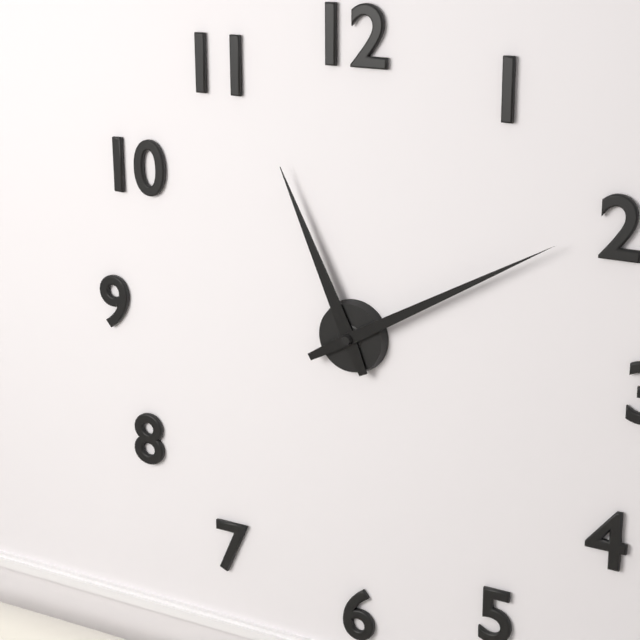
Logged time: 11 h 10 min
